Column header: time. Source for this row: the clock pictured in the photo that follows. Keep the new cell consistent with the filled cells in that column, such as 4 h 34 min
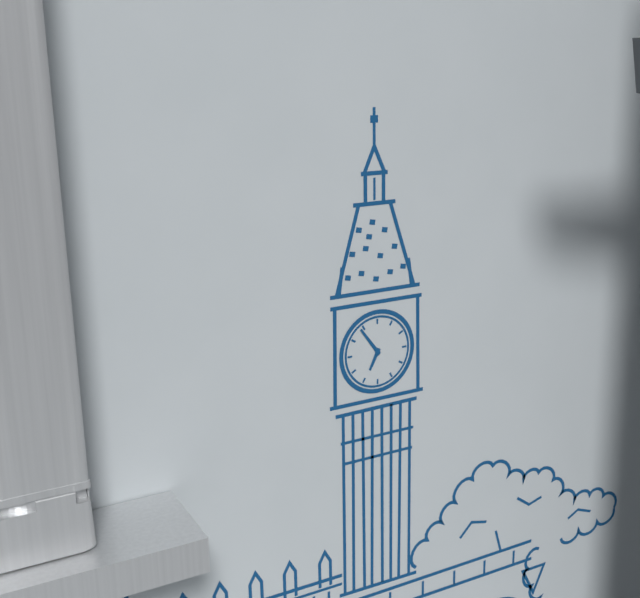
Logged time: 6 h 54 min
